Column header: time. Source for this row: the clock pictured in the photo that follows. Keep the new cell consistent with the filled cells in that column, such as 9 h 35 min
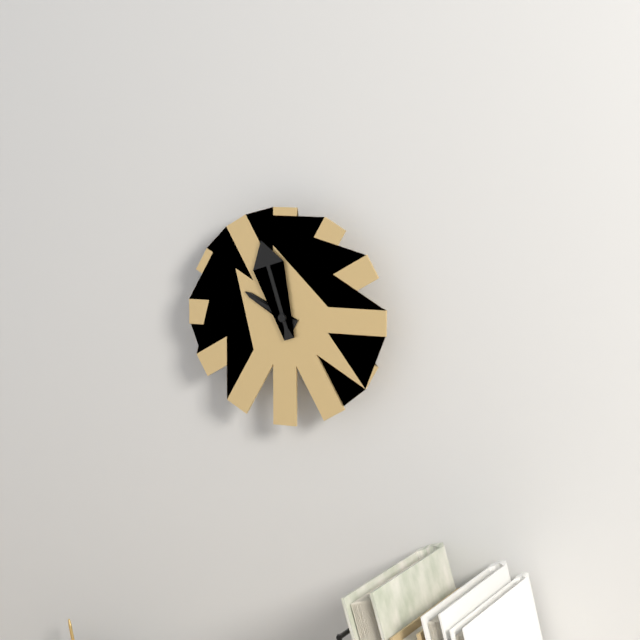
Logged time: 9 h 57 min
